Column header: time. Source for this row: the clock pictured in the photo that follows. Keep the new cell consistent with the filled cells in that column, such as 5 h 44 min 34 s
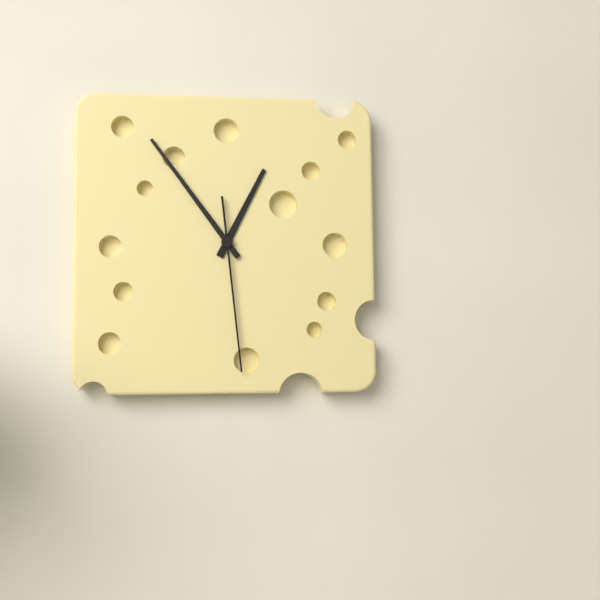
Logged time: 12 h 54 min 29 s
